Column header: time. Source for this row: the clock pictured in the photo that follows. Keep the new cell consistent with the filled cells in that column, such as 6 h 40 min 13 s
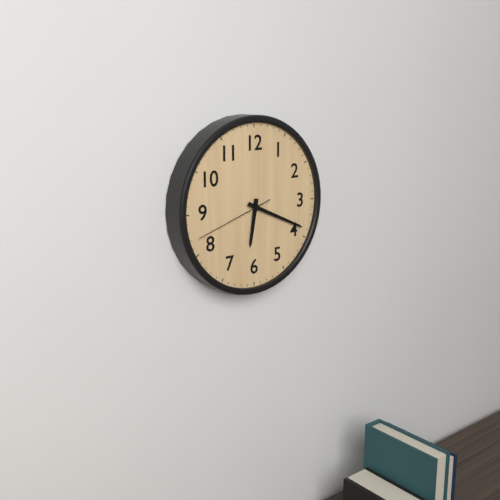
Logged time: 6 h 19 min 42 s
